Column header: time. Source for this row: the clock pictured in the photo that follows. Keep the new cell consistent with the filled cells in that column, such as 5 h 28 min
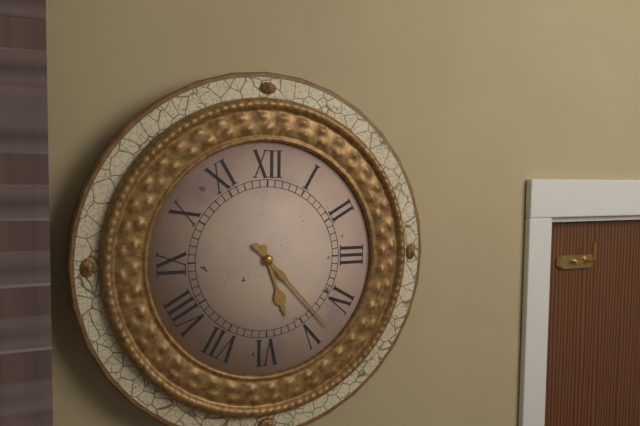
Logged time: 5 h 23 min
